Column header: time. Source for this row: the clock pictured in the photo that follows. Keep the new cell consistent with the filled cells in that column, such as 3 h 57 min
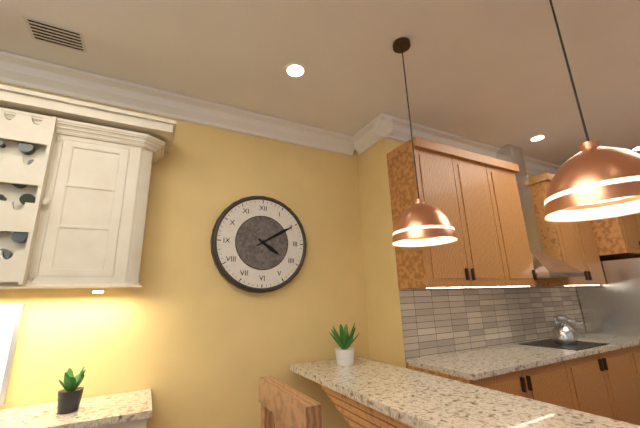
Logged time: 4 h 10 min
